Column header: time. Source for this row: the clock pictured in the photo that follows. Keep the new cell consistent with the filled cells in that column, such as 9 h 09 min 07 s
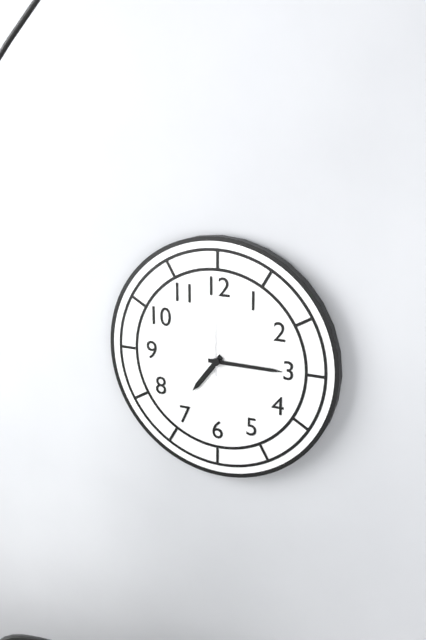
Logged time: 7 h 15 min 00 s
